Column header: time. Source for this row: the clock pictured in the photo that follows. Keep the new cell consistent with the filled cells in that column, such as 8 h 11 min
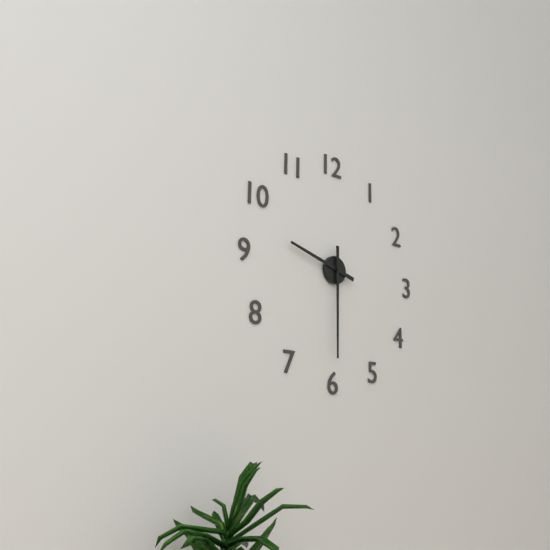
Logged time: 9 h 30 min
